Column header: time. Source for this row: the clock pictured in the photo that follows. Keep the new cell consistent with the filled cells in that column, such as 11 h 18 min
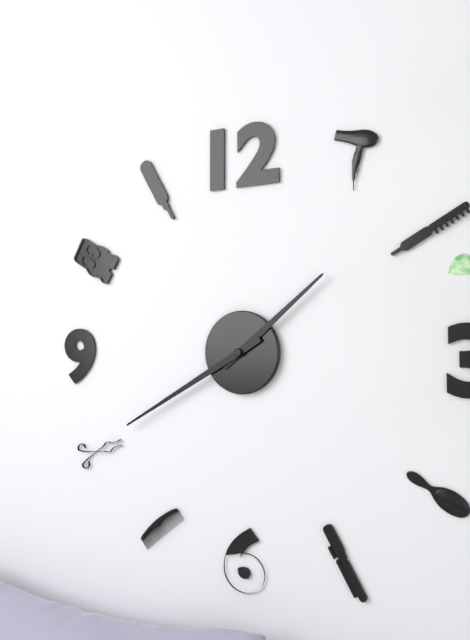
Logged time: 1 h 40 min
